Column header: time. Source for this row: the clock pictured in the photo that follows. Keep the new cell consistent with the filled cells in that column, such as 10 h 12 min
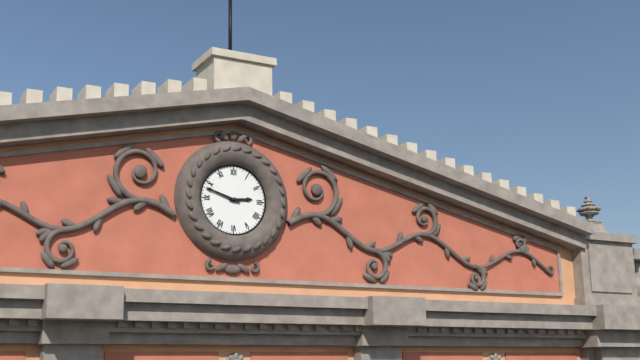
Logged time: 2 h 48 min
